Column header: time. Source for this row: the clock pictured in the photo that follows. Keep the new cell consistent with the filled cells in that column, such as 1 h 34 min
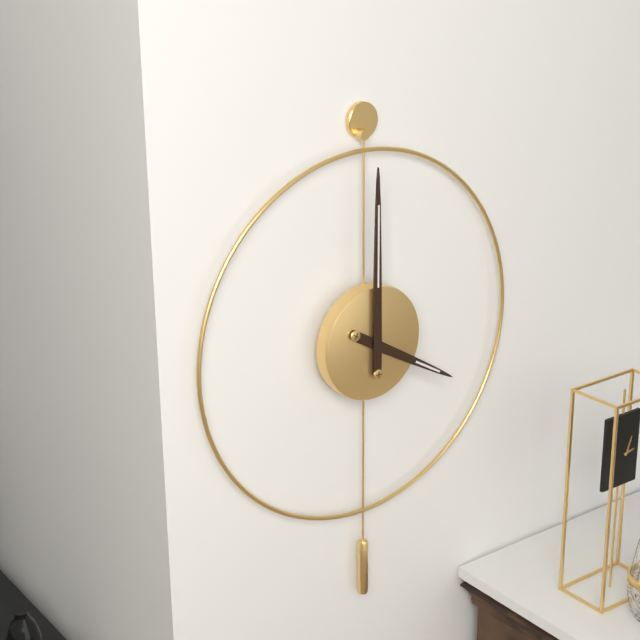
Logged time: 4 h 00 min
